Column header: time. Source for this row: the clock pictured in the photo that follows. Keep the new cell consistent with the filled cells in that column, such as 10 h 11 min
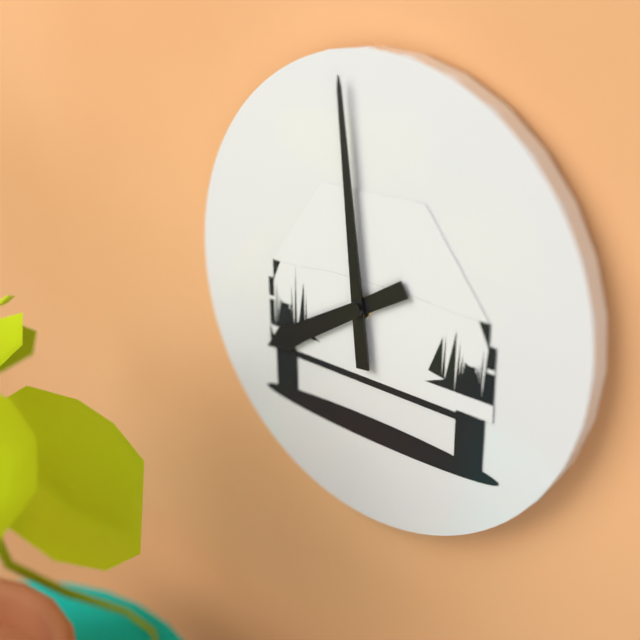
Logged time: 7 h 59 min
